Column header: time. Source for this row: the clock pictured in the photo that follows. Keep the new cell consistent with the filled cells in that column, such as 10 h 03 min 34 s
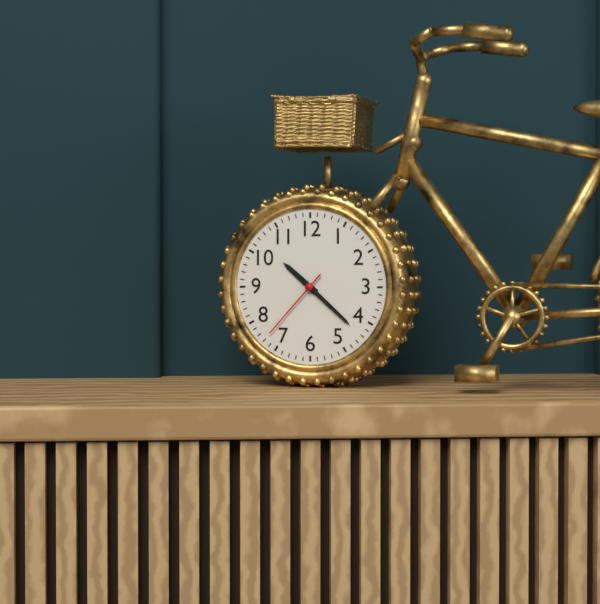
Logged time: 10 h 22 min 37 s
